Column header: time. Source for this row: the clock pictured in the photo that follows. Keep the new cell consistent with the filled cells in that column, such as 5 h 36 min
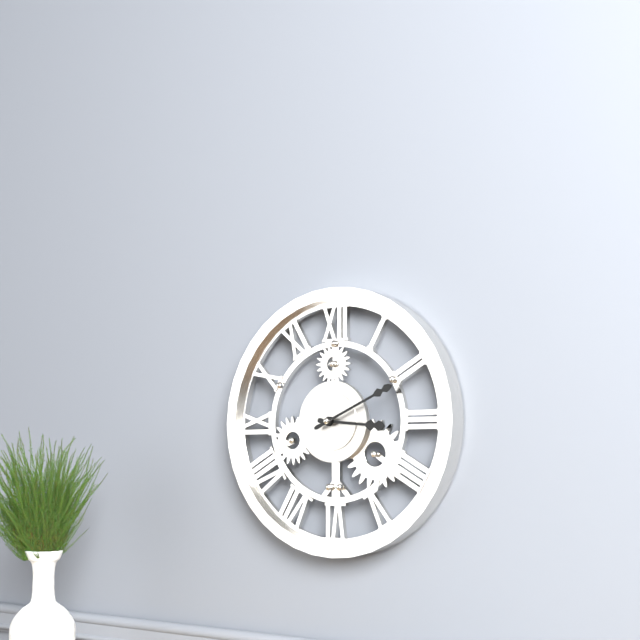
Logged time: 3 h 11 min
